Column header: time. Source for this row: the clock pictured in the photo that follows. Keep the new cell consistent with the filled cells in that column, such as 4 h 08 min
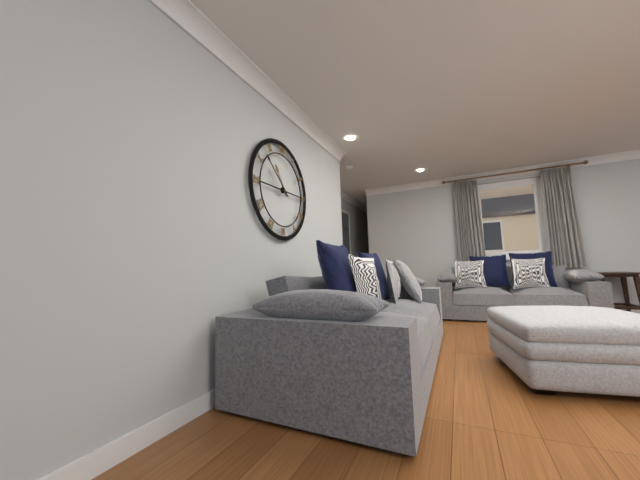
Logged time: 10 h 52 min
